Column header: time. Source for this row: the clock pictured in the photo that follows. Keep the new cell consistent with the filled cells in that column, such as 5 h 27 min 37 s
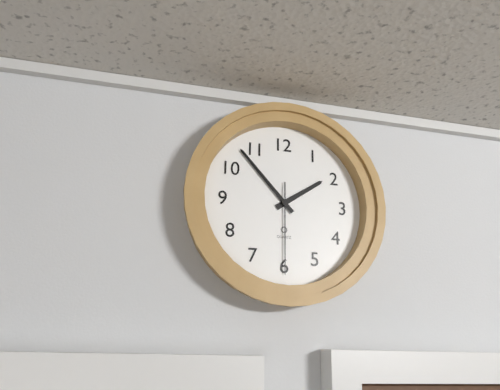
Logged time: 1 h 53 min 30 s
